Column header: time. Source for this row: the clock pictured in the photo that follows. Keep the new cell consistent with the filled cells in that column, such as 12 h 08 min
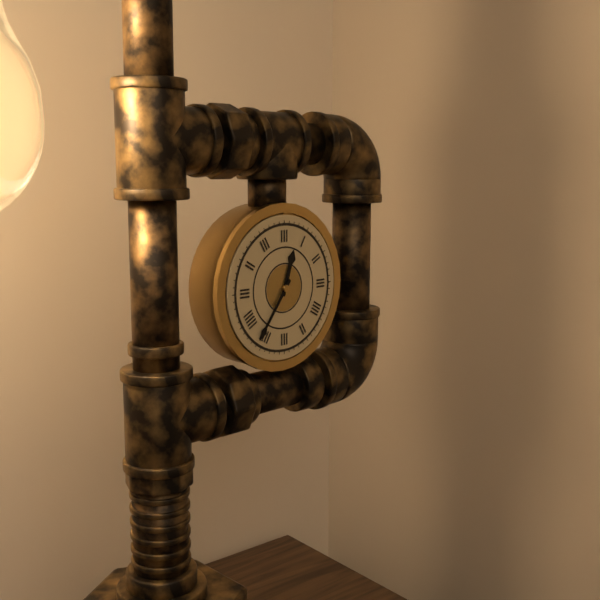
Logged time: 12 h 36 min
